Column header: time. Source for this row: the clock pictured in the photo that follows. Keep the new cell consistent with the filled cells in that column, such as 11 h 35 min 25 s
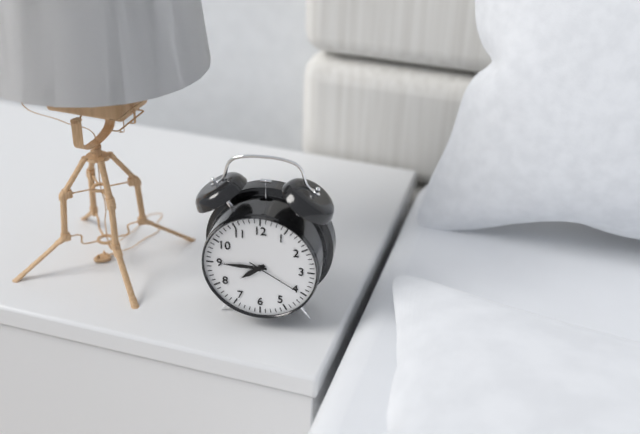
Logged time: 7 h 45 min 20 s
